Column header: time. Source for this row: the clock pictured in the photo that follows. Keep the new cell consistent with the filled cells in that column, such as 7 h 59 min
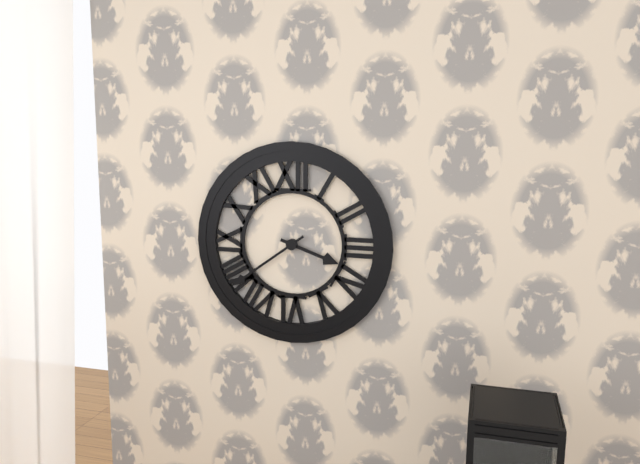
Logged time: 3 h 39 min
